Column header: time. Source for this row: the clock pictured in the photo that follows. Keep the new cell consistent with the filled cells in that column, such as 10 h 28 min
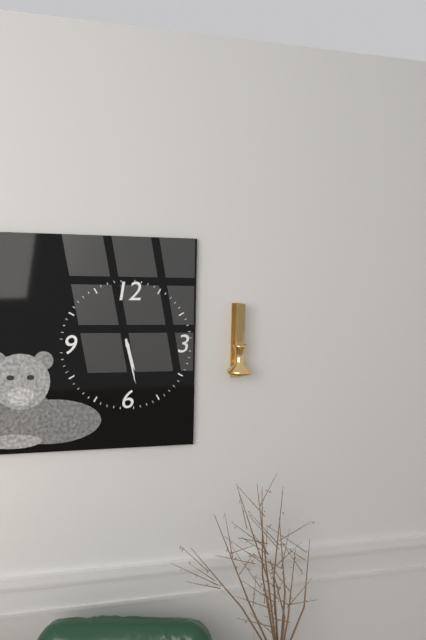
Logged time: 5 h 28 min
